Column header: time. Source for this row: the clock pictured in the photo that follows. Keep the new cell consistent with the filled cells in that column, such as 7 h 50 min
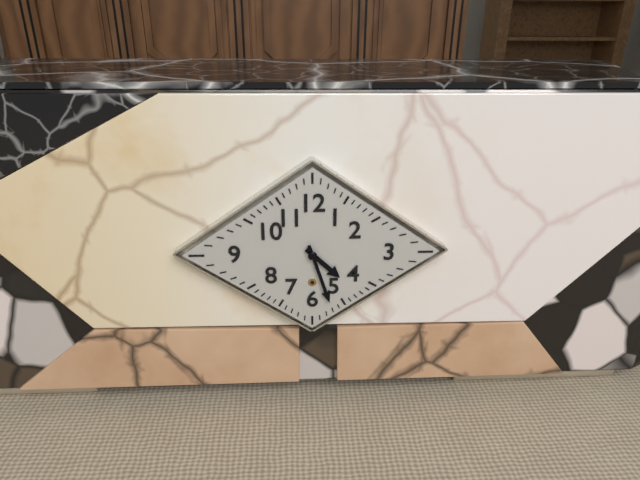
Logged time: 4 h 27 min
